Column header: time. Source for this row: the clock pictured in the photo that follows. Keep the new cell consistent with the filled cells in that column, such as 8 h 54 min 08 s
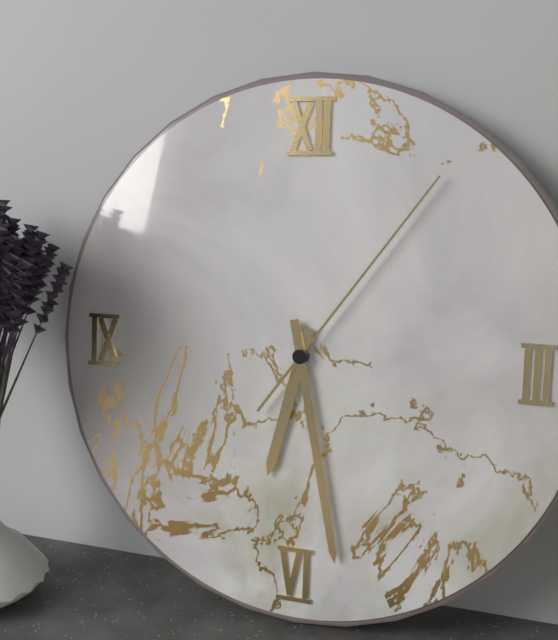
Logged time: 6 h 28 min 06 s
